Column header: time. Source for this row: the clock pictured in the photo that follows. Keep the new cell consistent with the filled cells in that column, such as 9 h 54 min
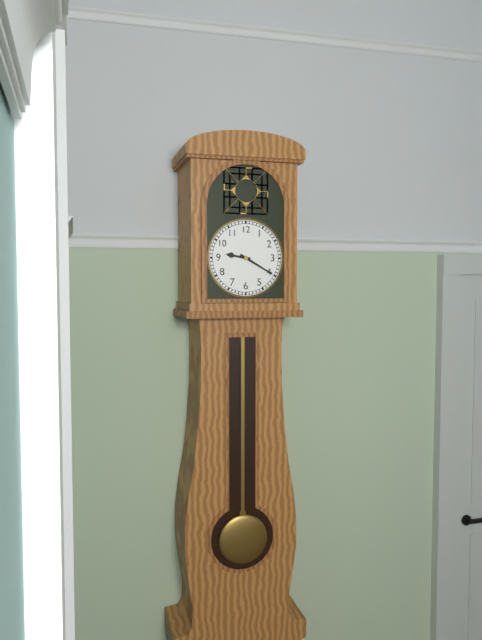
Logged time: 9 h 20 min
